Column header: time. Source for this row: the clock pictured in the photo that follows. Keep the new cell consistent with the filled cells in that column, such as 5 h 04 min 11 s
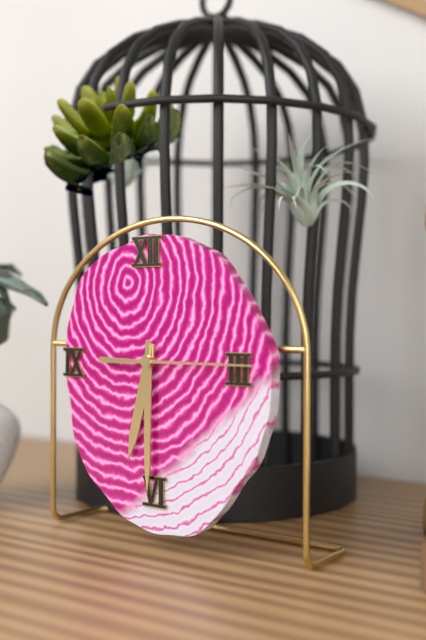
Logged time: 6 h 30 min 15 s
